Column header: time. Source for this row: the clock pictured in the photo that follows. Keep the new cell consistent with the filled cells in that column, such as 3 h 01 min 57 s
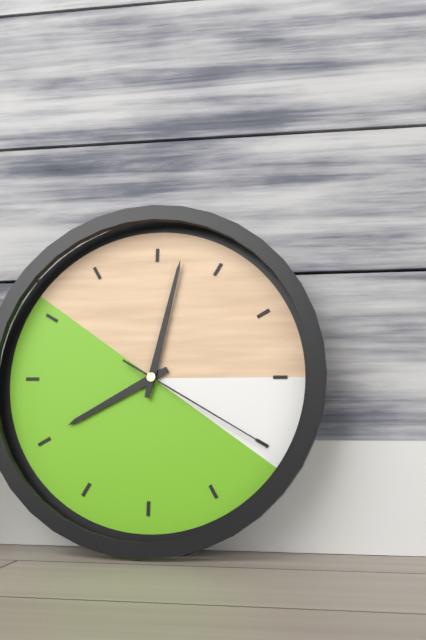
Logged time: 8 h 02 min 20 s
